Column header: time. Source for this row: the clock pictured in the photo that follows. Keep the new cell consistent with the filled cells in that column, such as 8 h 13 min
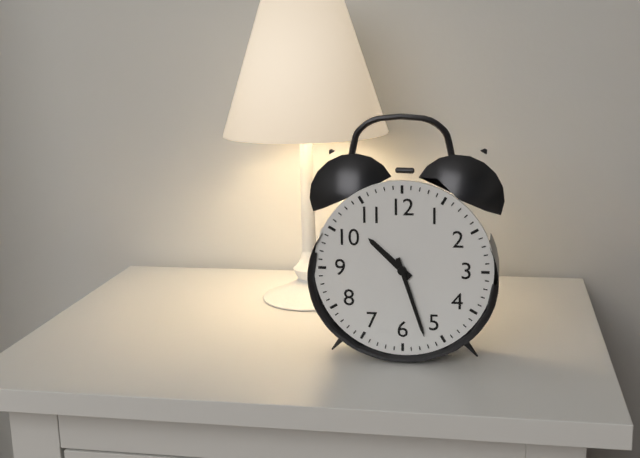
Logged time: 10 h 27 min
